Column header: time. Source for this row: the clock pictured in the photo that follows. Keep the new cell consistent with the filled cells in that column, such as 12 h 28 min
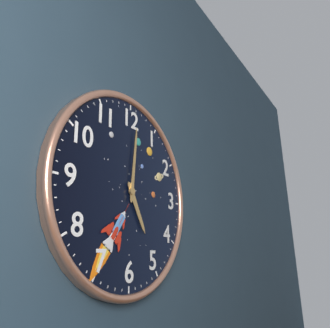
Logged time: 5 h 01 min
